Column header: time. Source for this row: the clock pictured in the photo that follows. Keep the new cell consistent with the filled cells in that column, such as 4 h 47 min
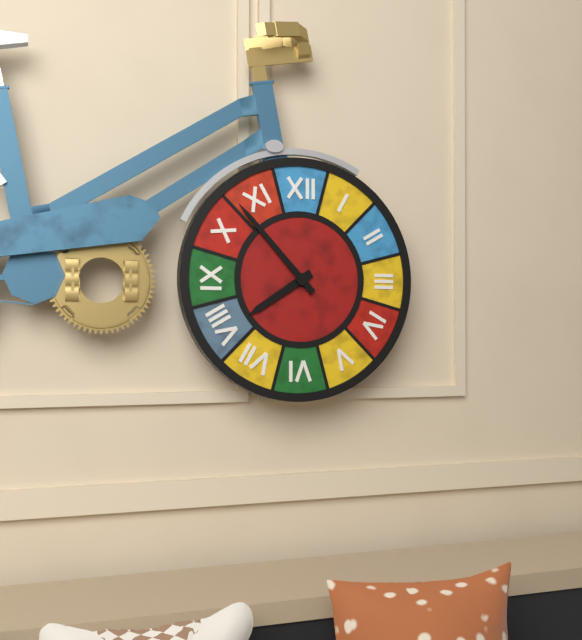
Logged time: 7 h 53 min
